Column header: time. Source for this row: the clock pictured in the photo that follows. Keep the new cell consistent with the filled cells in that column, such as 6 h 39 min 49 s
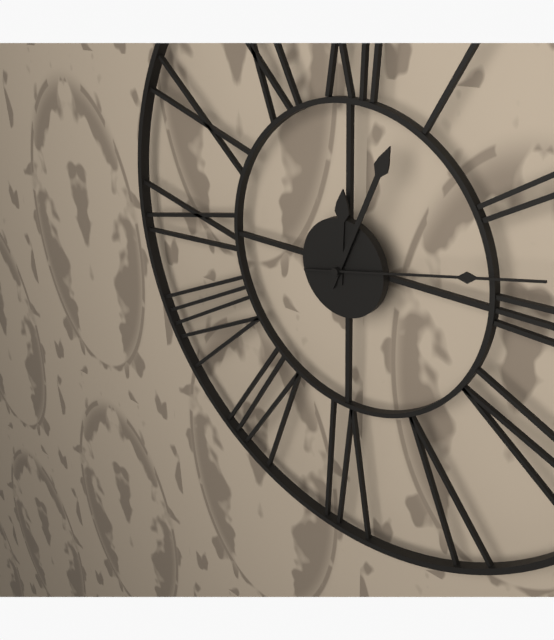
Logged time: 12 h 04 min 13 s
